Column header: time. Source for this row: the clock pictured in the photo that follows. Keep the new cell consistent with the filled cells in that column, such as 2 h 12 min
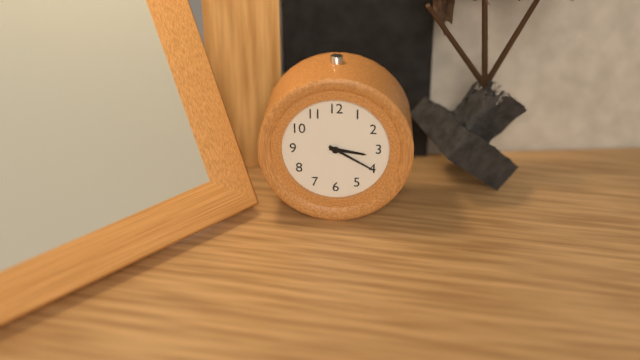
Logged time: 3 h 20 min
